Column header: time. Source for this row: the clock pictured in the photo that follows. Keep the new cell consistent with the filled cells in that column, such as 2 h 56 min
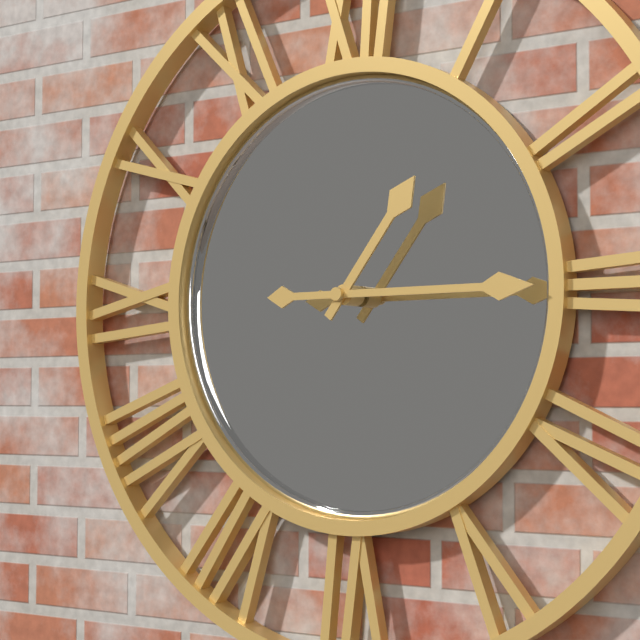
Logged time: 1 h 15 min
